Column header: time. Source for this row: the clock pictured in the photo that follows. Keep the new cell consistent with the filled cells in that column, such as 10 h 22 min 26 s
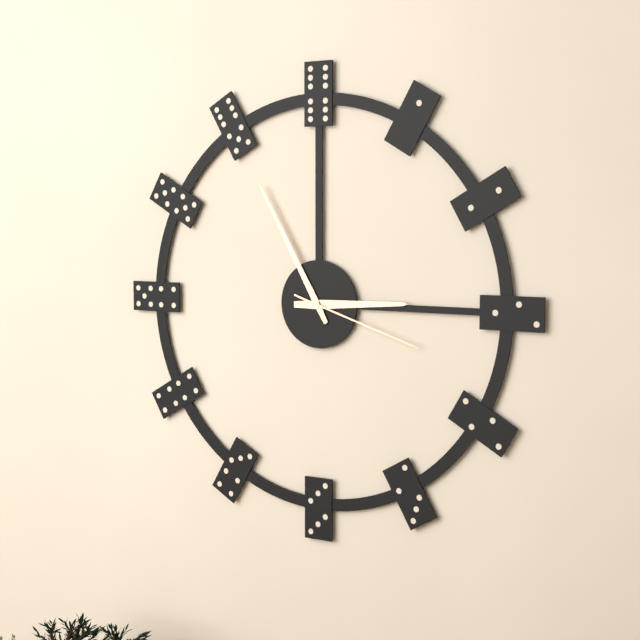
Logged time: 2 h 55 min 18 s
